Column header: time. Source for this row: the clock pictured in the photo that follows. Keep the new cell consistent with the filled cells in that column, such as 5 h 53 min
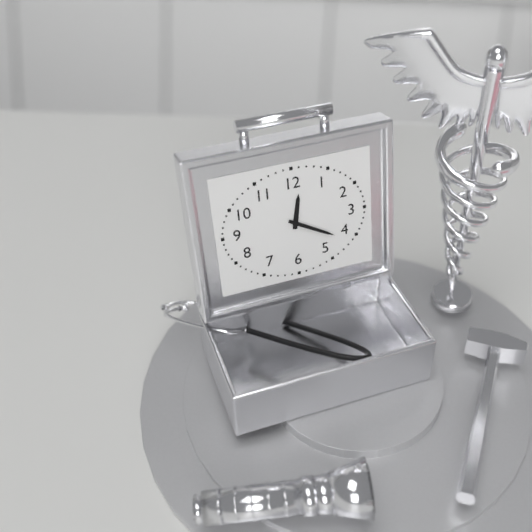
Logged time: 12 h 20 min
